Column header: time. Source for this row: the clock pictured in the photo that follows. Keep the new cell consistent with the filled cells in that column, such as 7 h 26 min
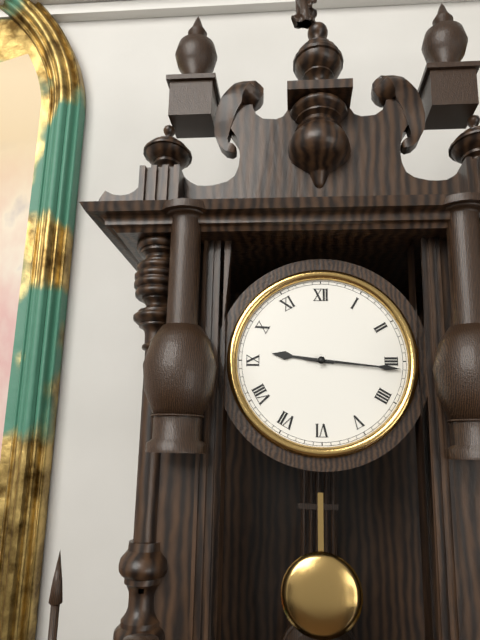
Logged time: 9 h 16 min
